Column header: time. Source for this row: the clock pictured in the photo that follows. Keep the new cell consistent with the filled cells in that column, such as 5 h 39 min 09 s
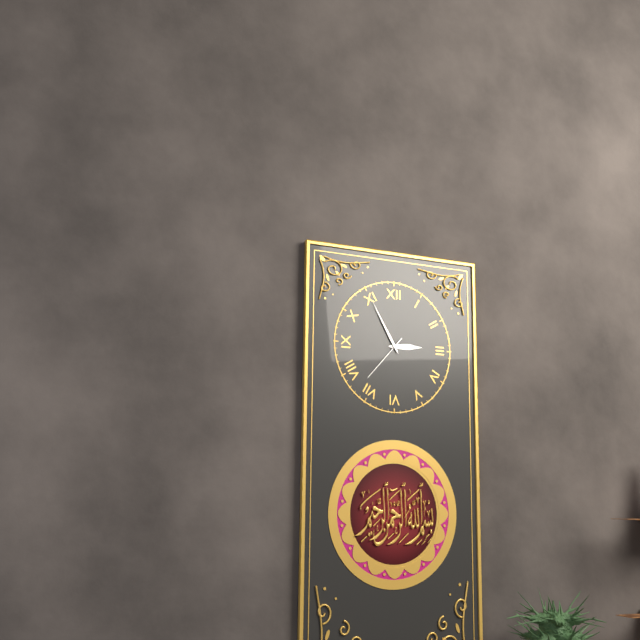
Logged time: 2 h 55 min 37 s
